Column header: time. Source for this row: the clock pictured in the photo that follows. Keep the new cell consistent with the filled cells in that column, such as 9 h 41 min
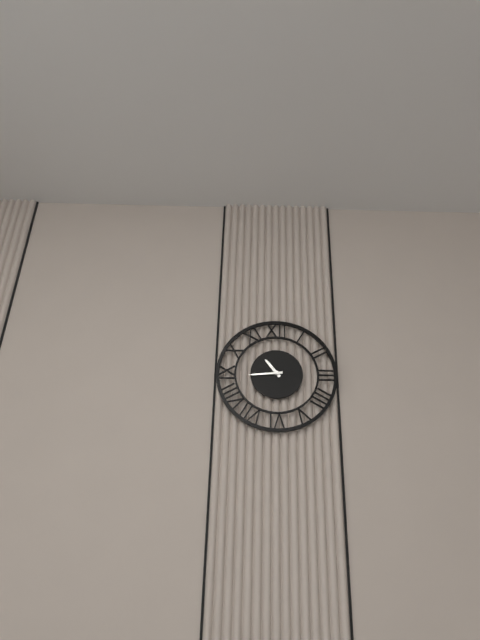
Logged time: 10 h 44 min
